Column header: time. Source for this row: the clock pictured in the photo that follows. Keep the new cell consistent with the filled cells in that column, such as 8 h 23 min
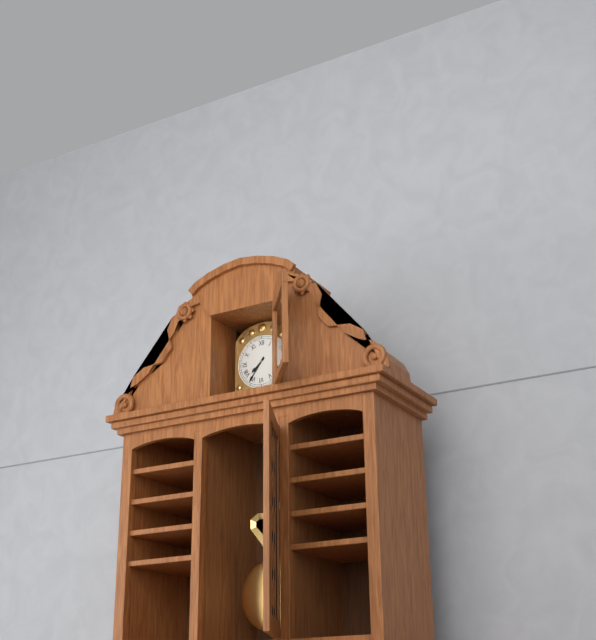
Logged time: 7 h 36 min
